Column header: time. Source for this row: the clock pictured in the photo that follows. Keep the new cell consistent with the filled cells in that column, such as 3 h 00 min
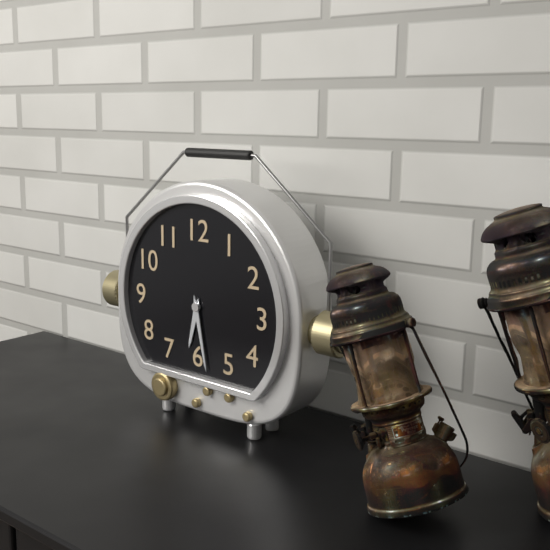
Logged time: 6 h 28 min
